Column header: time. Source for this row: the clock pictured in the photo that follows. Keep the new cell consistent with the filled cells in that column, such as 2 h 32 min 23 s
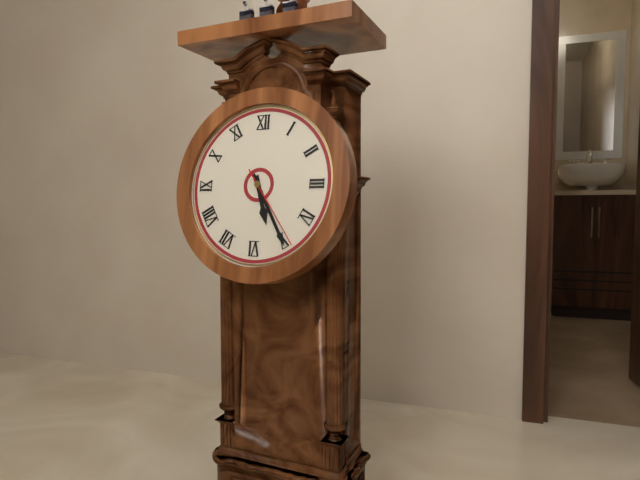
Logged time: 5 h 25 min 24 s
